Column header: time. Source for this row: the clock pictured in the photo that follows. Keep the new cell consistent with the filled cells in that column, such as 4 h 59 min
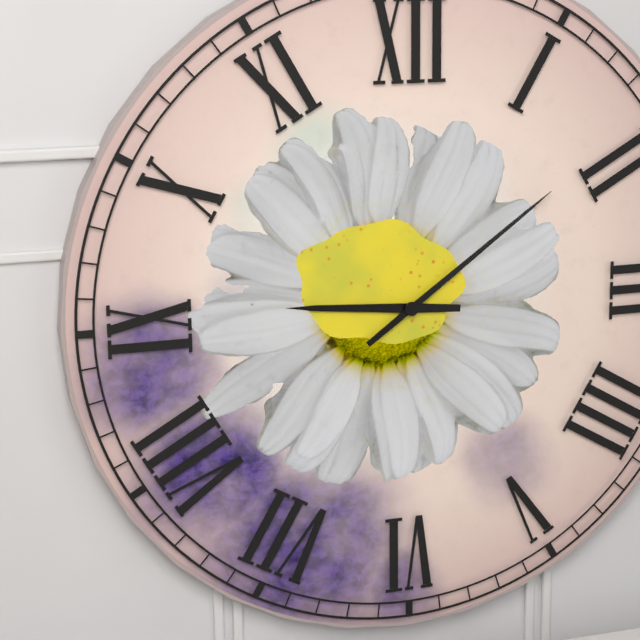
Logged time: 9 h 09 min
